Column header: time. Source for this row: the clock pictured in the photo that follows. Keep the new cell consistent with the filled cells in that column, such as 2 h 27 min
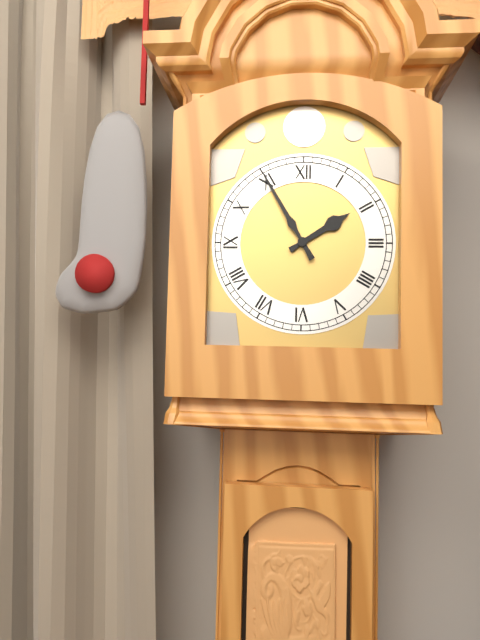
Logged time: 1 h 55 min
